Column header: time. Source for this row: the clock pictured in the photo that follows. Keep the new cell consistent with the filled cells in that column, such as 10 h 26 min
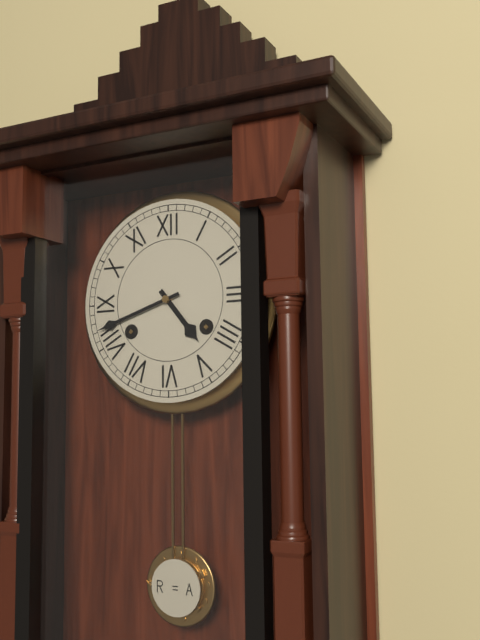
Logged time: 4 h 42 min
